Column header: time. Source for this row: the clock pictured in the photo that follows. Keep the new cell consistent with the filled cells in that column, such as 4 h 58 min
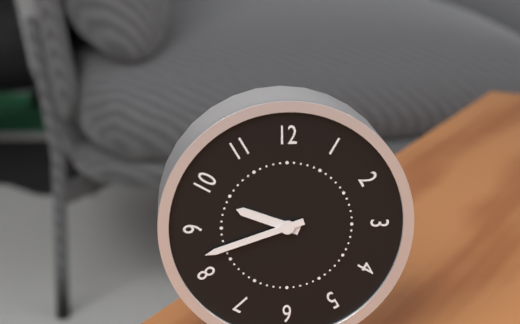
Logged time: 9 h 42 min
